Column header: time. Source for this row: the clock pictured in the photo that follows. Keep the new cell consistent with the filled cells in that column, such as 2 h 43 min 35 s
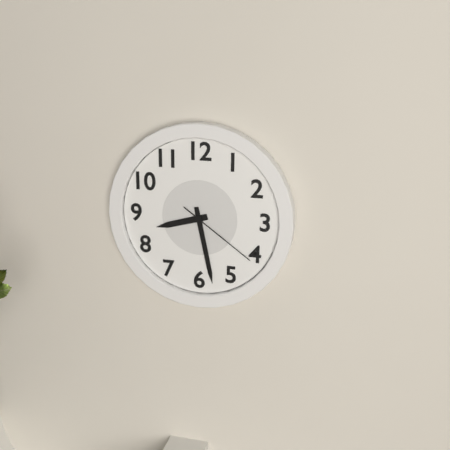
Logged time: 8 h 28 min 21 s
